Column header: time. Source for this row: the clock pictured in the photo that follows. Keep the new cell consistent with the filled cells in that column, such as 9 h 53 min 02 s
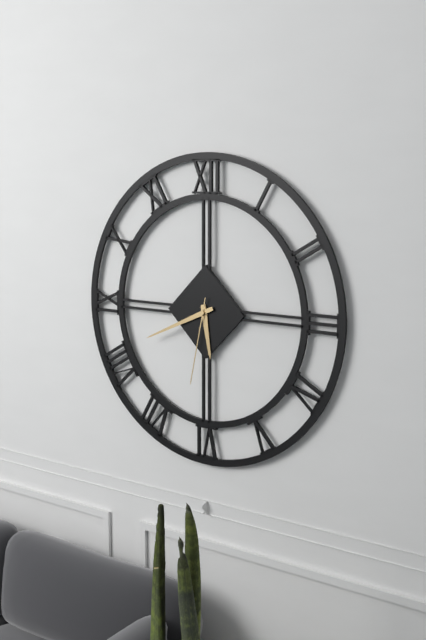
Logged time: 5 h 41 min 32 s
